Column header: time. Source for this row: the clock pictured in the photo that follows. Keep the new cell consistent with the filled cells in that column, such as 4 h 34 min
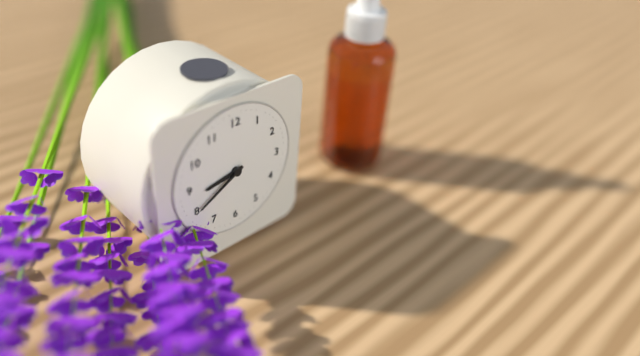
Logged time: 8 h 40 min
